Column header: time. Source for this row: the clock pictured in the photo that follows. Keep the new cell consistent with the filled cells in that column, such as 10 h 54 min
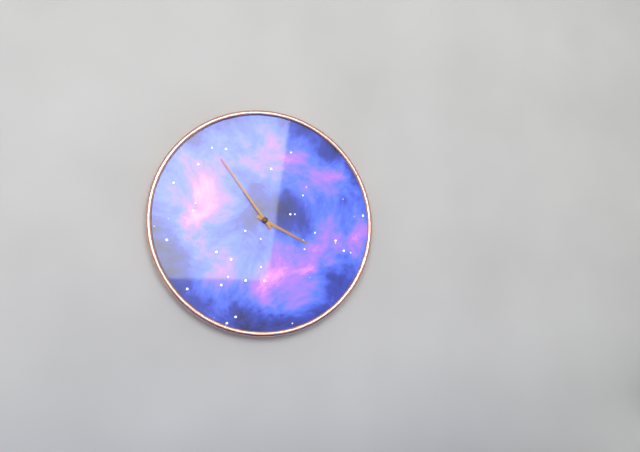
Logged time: 3 h 54 min
